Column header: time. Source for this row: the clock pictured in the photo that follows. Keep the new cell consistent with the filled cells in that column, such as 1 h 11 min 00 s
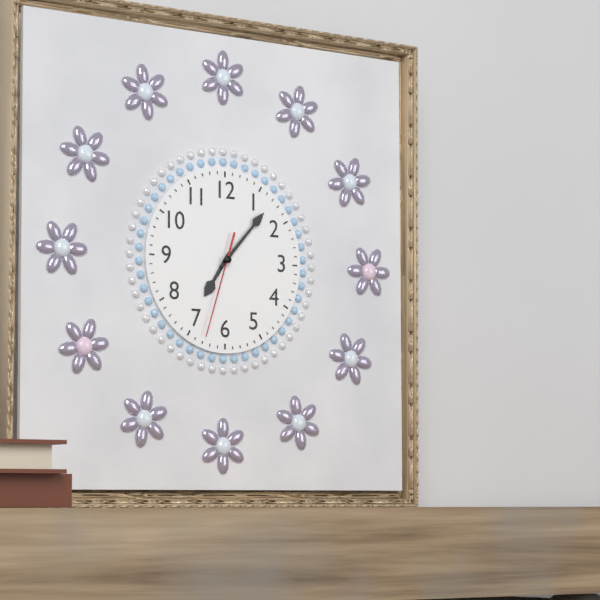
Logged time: 7 h 07 min 33 s
